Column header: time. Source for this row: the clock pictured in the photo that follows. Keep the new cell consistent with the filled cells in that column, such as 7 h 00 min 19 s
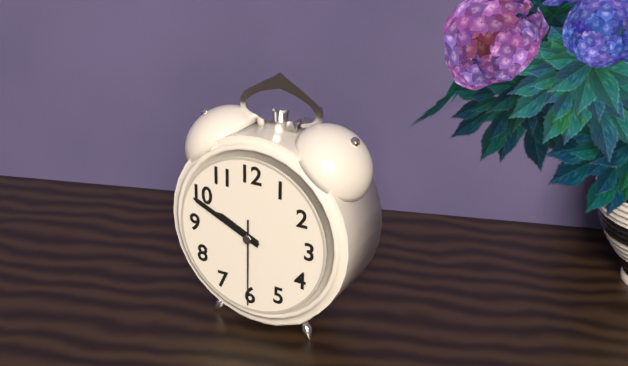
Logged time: 9 h 49 min 30 s
